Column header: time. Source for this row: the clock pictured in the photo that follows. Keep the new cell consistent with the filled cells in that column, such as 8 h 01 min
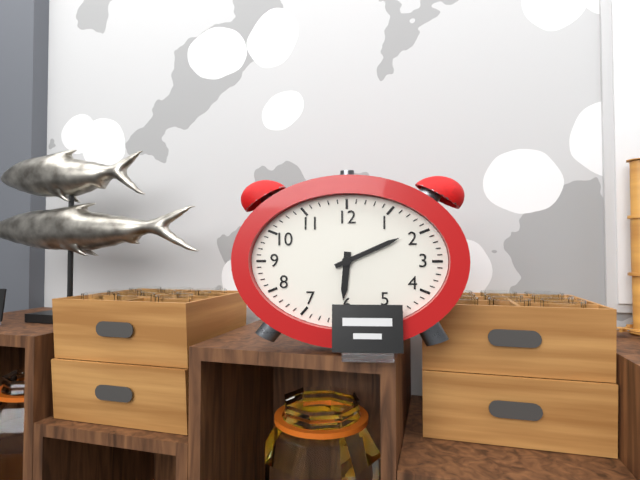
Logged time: 6 h 11 min
